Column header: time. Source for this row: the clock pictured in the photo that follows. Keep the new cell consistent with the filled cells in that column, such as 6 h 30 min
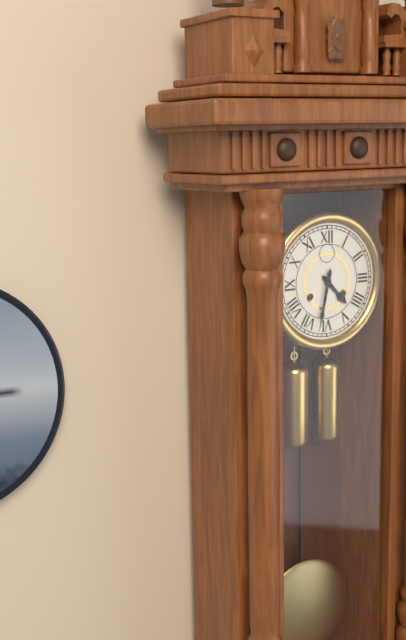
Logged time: 4 h 32 min
